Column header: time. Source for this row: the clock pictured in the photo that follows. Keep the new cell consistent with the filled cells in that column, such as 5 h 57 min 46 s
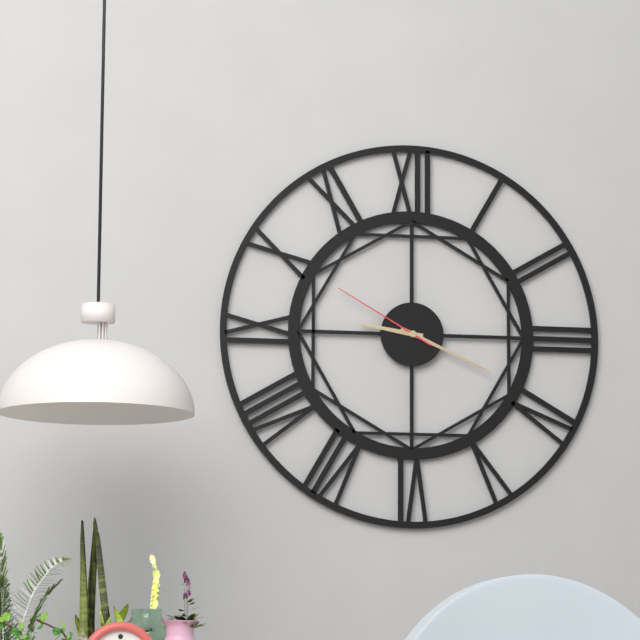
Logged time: 9 h 19 min 50 s
